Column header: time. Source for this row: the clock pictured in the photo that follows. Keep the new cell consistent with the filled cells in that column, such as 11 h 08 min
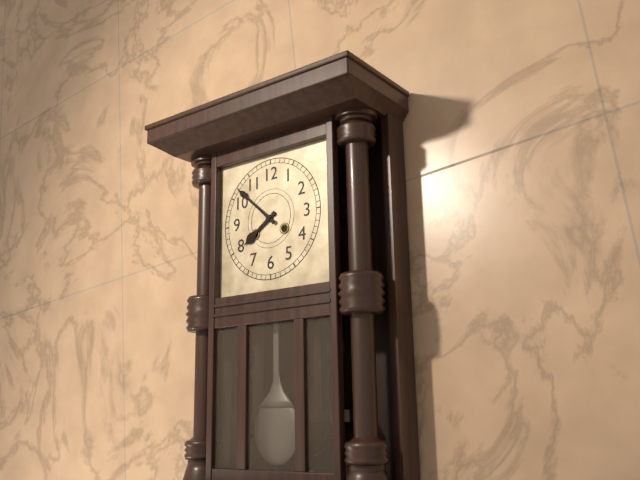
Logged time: 7 h 52 min
